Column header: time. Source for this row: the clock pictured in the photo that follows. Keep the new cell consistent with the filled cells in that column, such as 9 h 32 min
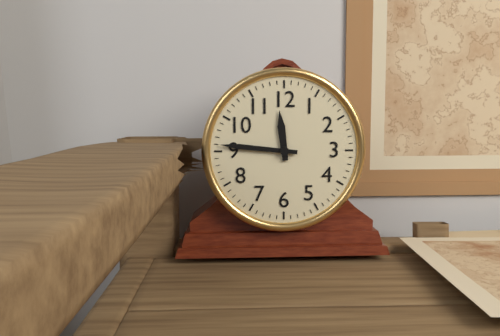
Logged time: 11 h 46 min
